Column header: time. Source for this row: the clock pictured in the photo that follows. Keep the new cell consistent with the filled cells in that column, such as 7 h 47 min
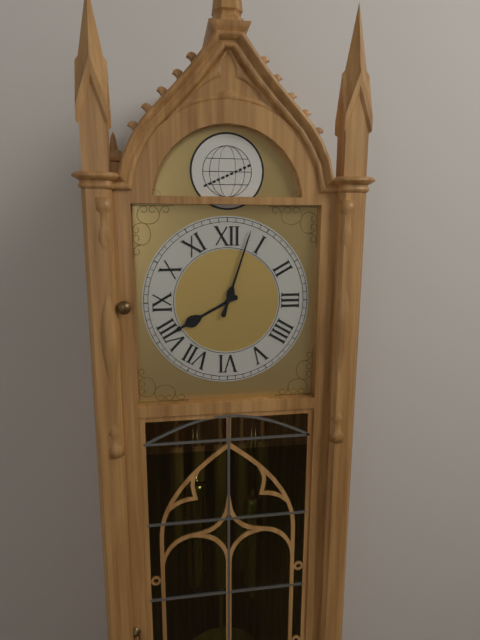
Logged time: 8 h 03 min
